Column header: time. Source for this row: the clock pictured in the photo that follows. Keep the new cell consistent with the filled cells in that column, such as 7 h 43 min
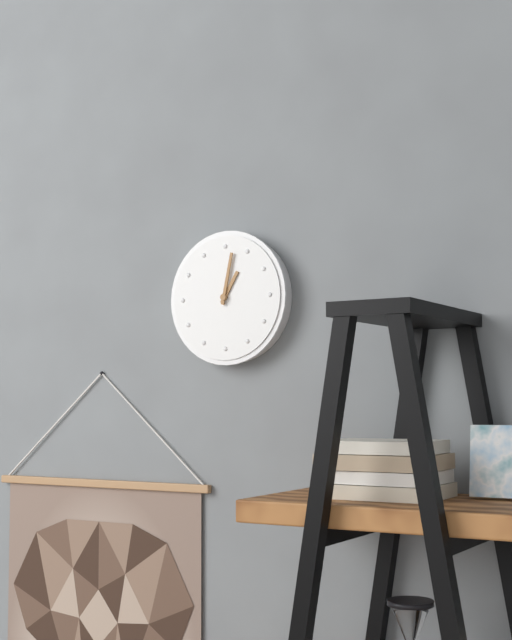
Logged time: 1 h 02 min
